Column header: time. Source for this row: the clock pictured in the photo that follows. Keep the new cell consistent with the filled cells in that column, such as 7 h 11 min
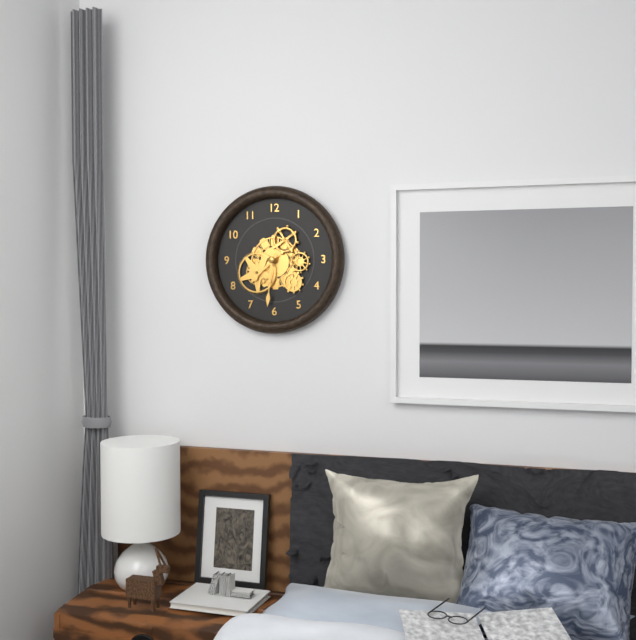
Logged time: 7 h 31 min
